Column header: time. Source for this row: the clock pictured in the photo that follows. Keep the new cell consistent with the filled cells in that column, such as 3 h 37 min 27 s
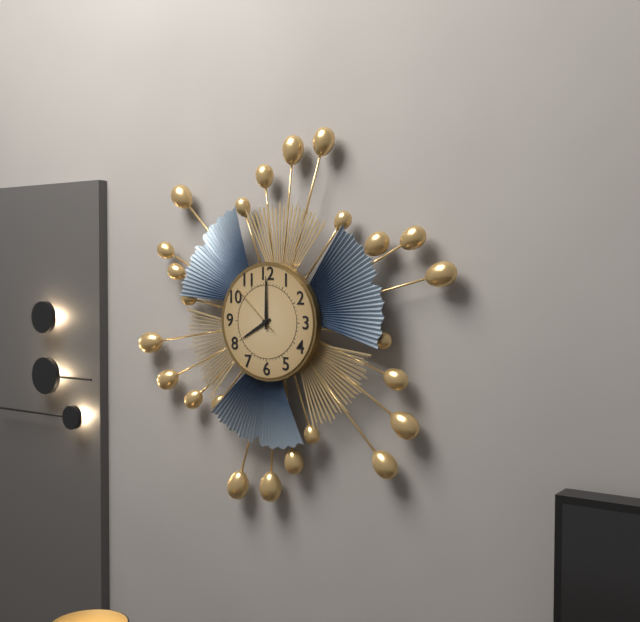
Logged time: 8 h 00 min 52 s
